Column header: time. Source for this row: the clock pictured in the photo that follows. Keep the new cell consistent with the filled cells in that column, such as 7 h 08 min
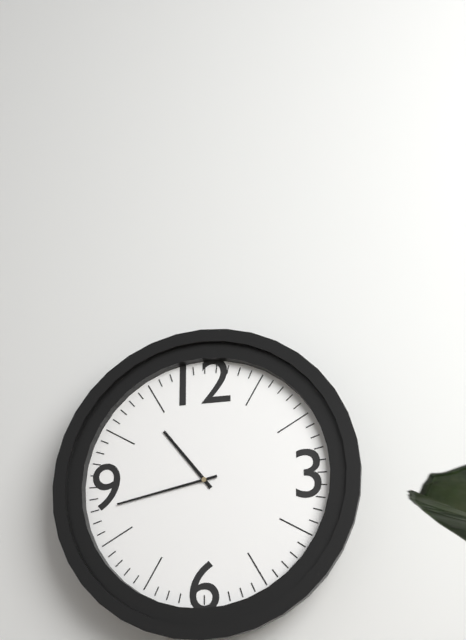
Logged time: 10 h 43 min
